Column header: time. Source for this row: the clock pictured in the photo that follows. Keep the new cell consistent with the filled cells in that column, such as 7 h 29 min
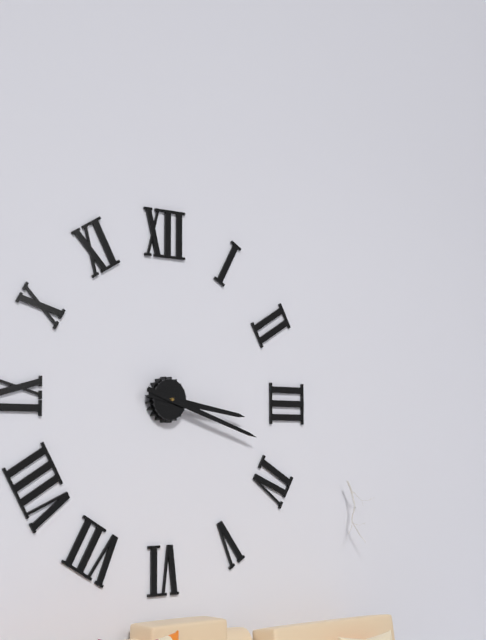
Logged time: 3 h 18 min
